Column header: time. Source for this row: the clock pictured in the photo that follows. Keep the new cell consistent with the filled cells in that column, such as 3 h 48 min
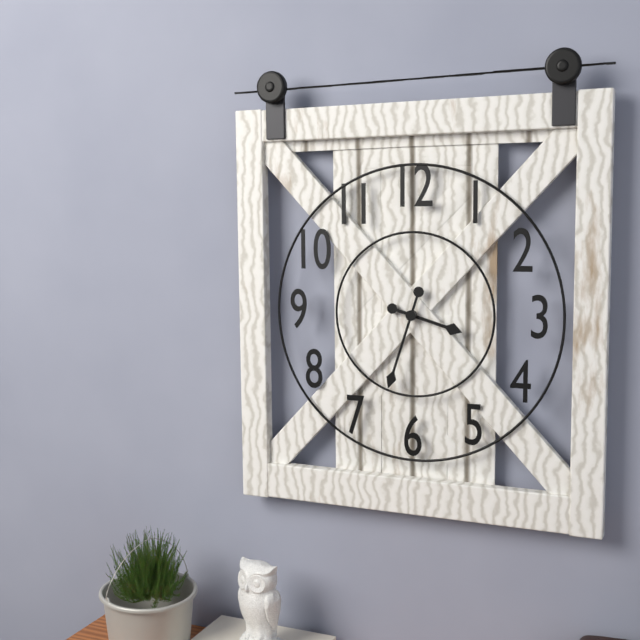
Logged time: 3 h 33 min
